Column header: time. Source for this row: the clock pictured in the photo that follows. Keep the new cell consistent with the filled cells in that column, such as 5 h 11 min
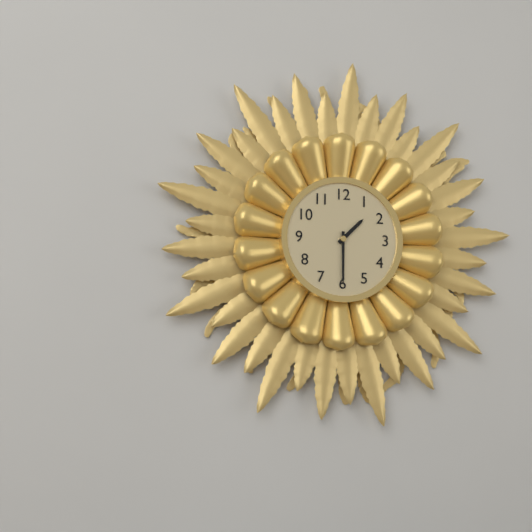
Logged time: 1 h 30 min
